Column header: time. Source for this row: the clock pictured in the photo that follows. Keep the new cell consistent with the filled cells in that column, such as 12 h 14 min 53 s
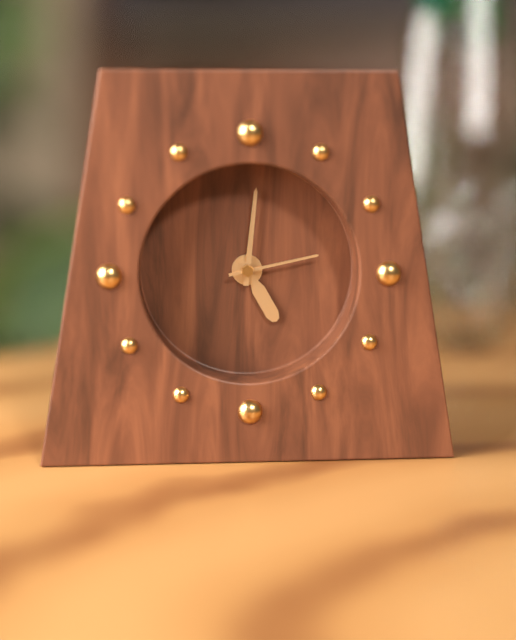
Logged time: 5 h 01 min 13 s
